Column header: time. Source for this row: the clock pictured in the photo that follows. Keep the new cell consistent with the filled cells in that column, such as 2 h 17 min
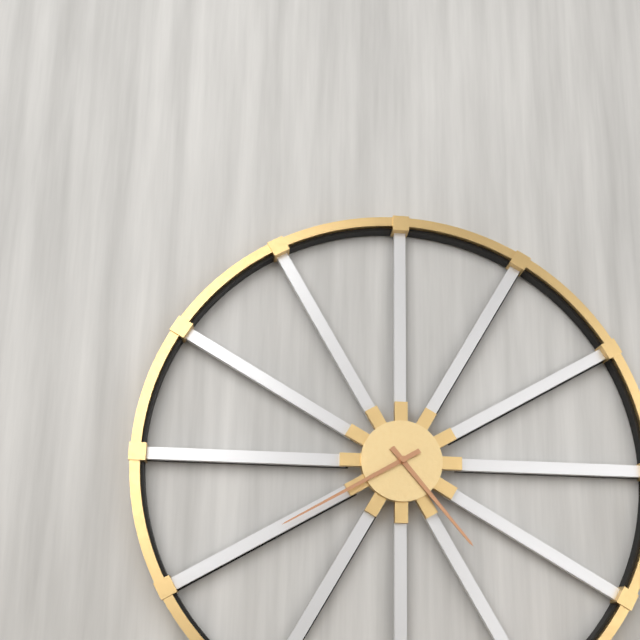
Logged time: 4 h 40 min
